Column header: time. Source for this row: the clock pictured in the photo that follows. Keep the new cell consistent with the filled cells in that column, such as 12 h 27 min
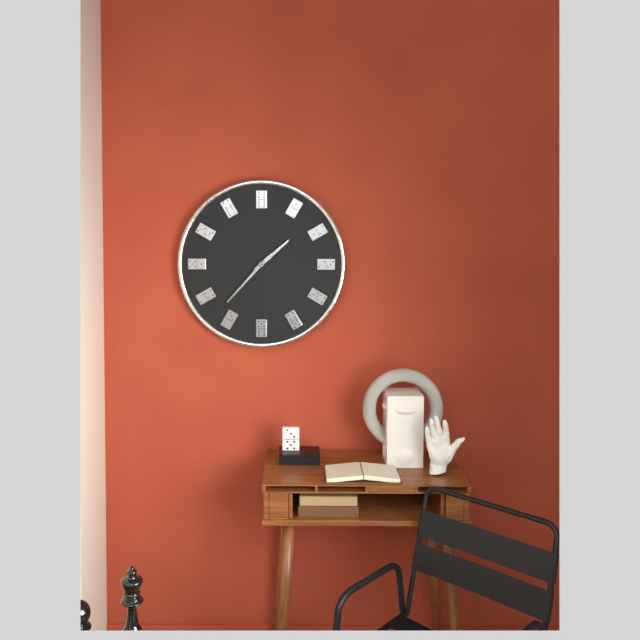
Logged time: 1 h 37 min
